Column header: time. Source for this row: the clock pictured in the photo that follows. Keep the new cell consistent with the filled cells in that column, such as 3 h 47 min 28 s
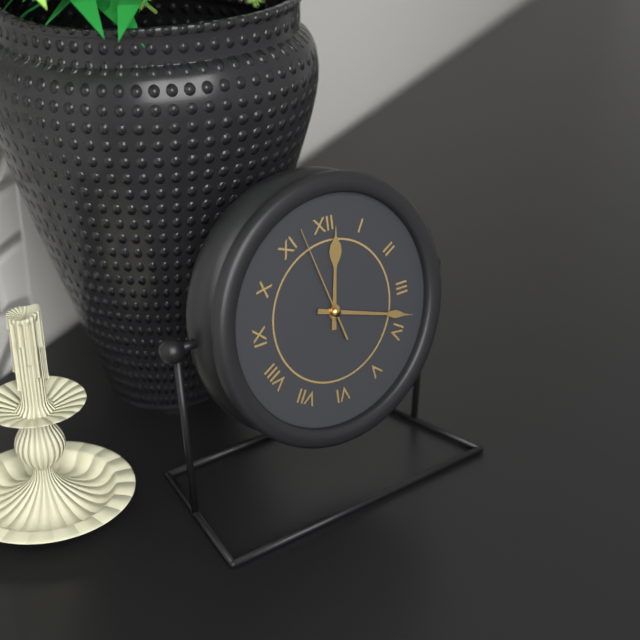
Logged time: 12 h 18 min 57 s
